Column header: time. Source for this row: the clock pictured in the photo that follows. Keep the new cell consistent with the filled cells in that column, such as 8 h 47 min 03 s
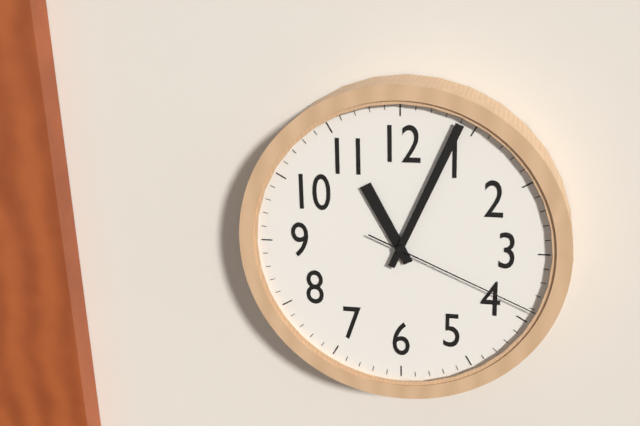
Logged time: 11 h 04 min 19 s
